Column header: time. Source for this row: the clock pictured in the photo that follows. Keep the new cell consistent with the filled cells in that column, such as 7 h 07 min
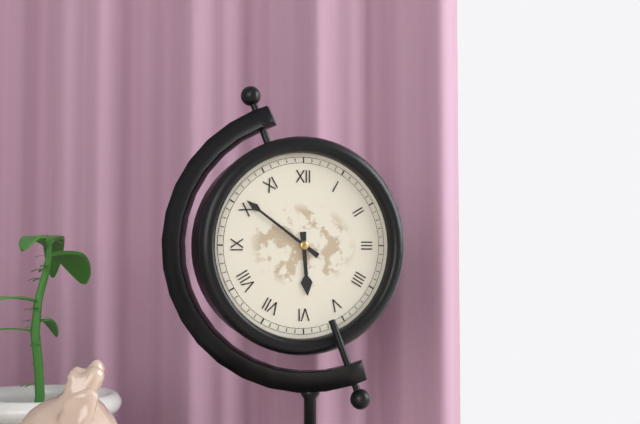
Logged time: 5 h 51 min
